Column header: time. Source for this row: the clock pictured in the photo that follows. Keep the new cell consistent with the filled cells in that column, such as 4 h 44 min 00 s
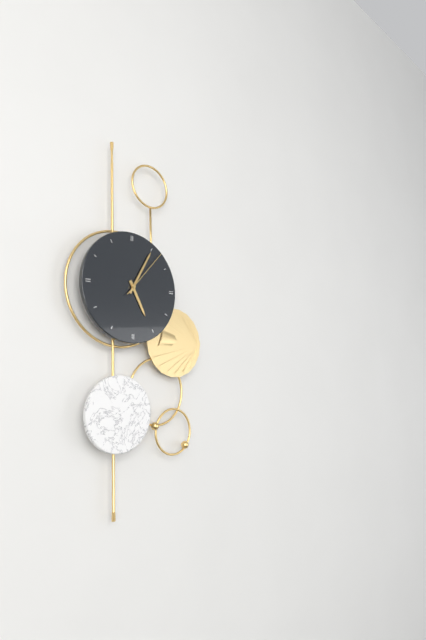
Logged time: 5 h 05 min 07 s
